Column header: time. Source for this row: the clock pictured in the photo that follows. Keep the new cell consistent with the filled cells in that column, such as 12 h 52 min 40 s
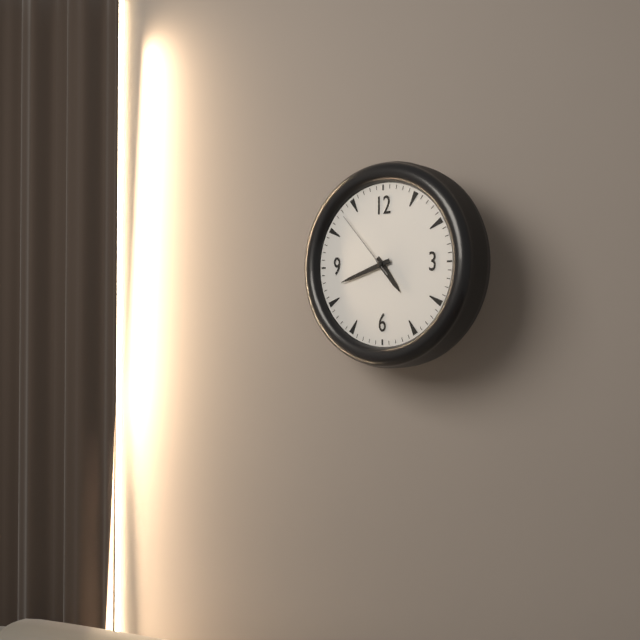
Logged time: 4 h 42 min 53 s
